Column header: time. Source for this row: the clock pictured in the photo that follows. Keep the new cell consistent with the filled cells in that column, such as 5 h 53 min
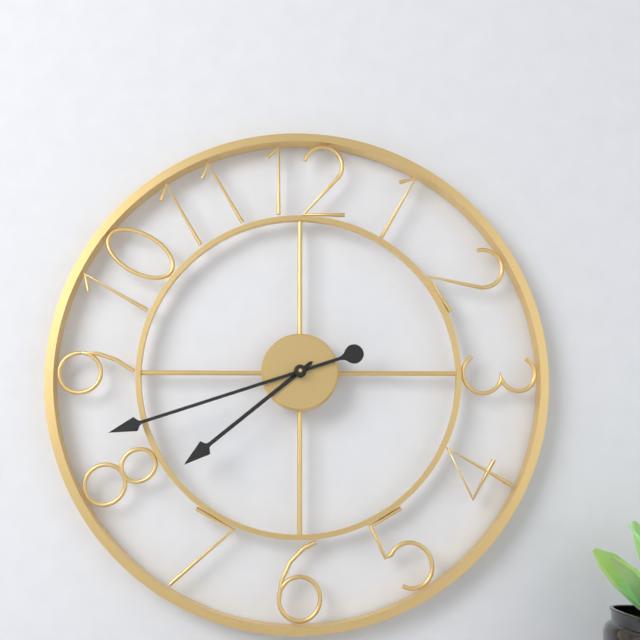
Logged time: 7 h 42 min
